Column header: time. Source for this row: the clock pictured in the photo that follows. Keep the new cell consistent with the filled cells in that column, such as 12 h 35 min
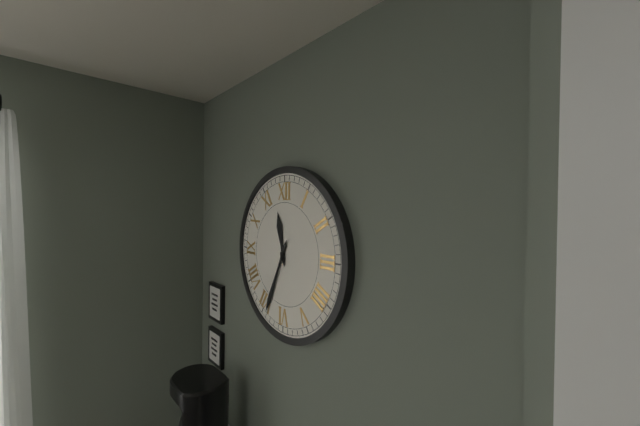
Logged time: 11 h 34 min
